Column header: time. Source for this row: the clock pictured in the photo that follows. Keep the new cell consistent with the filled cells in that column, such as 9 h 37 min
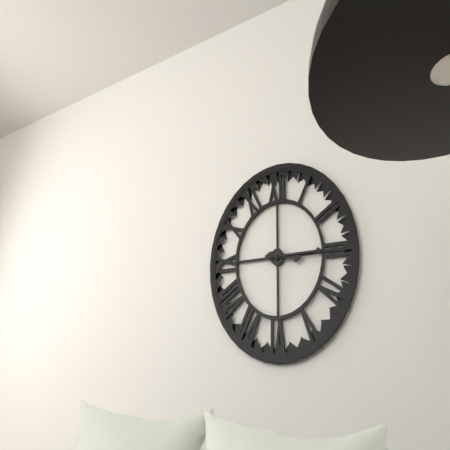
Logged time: 3 h 15 min
